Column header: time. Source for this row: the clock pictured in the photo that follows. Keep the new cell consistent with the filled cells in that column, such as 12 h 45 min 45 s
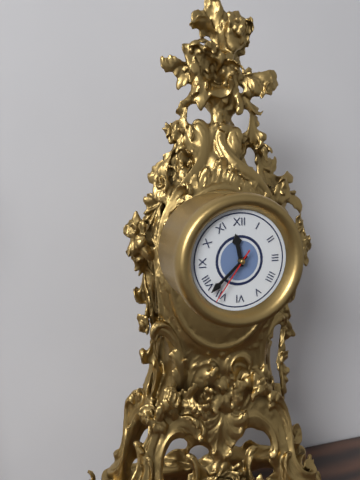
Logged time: 11 h 38 min 36 s
